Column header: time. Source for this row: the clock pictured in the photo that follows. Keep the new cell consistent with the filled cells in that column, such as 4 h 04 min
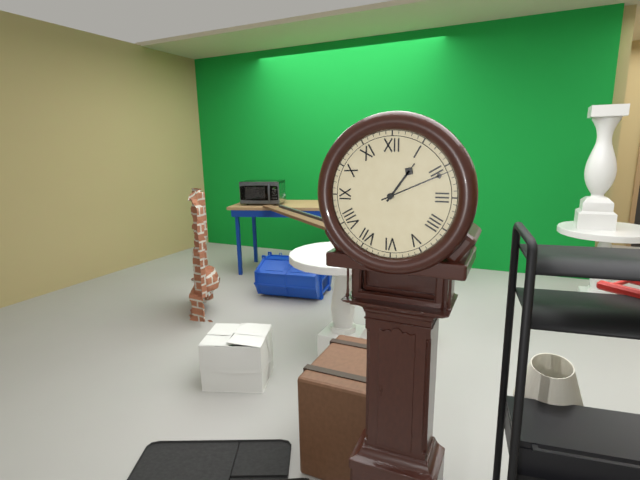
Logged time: 1 h 11 min
